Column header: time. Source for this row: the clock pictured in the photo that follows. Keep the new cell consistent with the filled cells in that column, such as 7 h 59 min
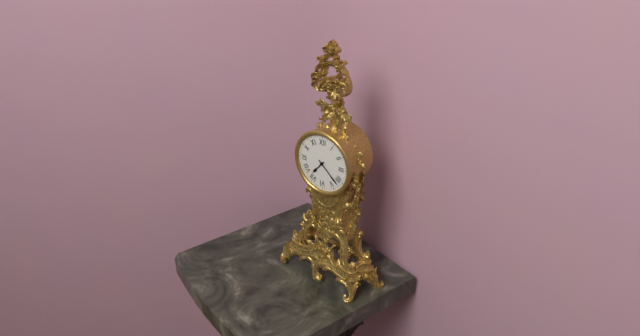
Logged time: 7 h 22 min
